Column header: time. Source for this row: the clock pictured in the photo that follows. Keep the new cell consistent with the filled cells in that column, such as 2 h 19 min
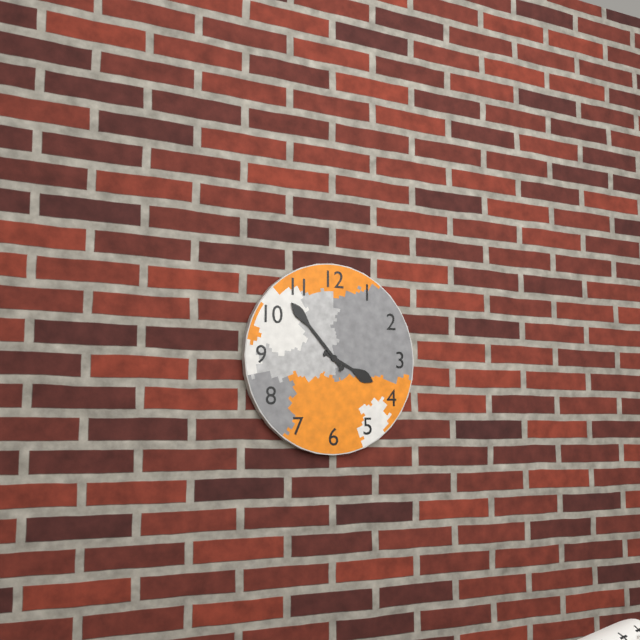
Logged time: 3 h 53 min
